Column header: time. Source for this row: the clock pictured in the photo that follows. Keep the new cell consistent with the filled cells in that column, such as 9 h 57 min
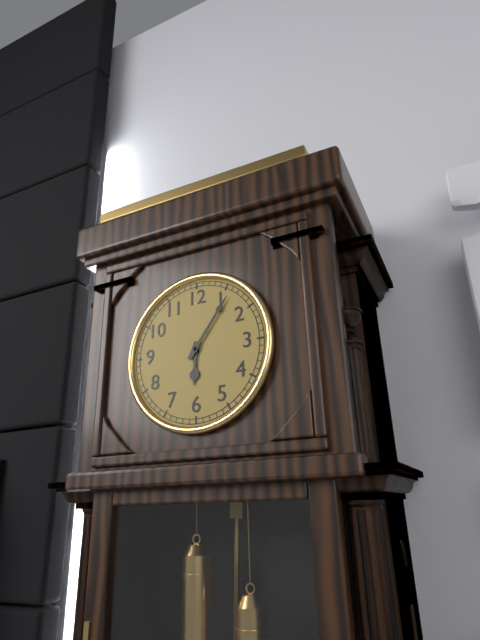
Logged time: 6 h 06 min
